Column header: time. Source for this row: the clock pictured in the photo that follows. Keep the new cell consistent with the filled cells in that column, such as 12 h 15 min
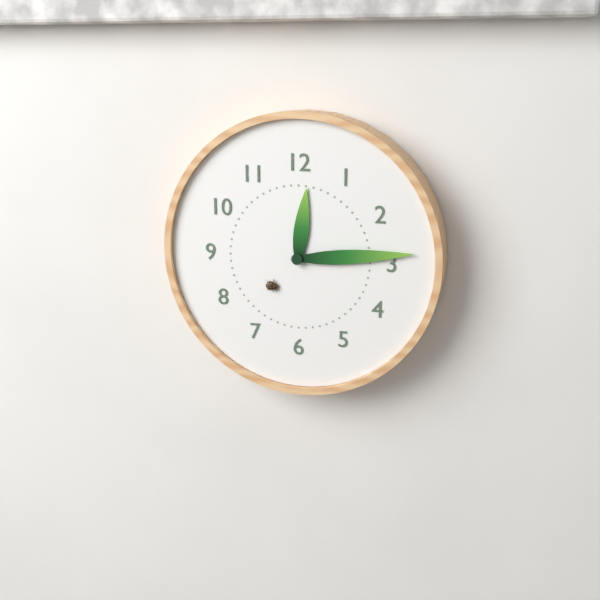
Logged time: 12 h 14 min
